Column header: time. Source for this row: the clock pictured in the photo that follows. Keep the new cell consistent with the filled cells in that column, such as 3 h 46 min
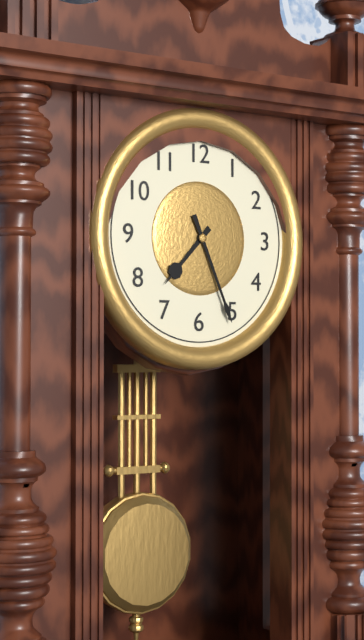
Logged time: 7 h 26 min
